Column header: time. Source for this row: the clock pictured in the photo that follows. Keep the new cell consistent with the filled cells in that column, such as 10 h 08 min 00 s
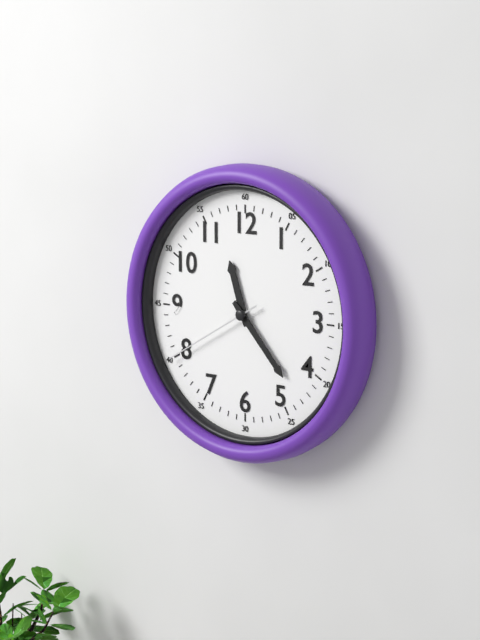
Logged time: 11 h 23 min 40 s
